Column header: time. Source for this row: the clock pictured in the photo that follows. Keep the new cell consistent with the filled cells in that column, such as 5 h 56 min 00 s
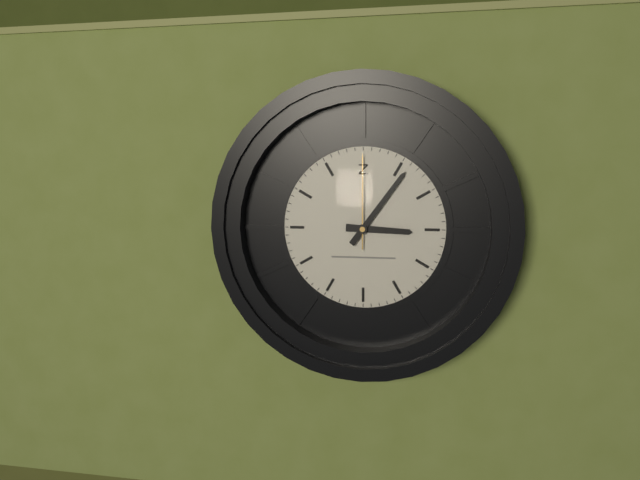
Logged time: 3 h 06 min 00 s
